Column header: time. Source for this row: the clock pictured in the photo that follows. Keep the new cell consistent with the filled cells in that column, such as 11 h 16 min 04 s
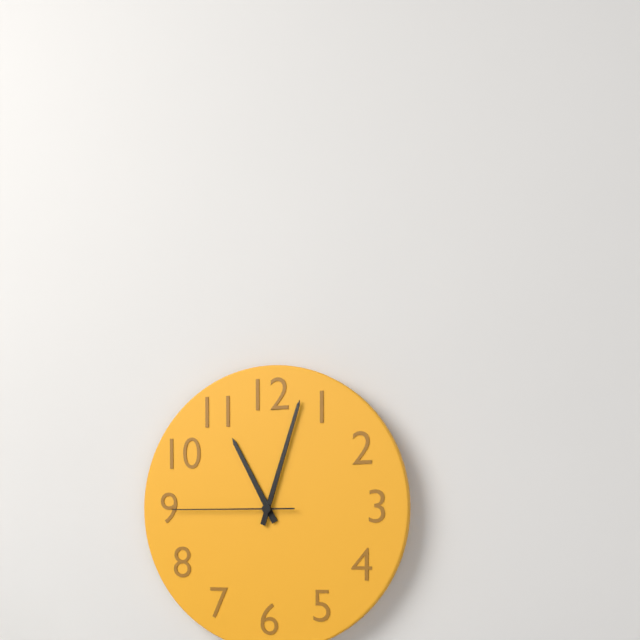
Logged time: 11 h 03 min 45 s
